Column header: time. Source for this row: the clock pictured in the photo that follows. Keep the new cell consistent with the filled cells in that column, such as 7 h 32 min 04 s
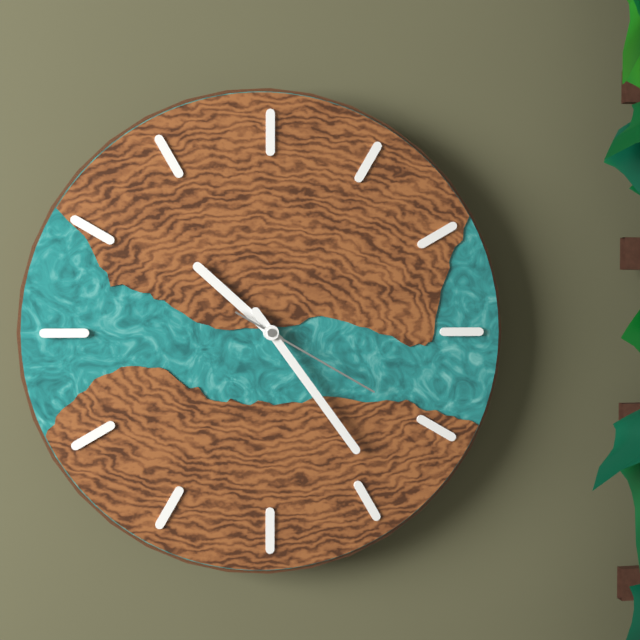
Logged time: 10 h 24 min 20 s
